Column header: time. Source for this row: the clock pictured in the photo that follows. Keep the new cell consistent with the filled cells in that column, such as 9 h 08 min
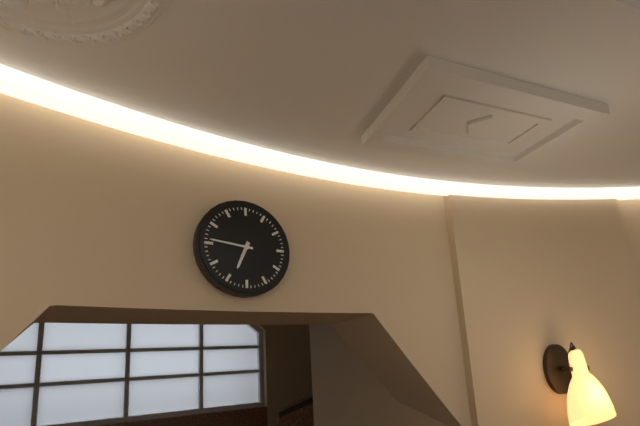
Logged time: 6 h 46 min
